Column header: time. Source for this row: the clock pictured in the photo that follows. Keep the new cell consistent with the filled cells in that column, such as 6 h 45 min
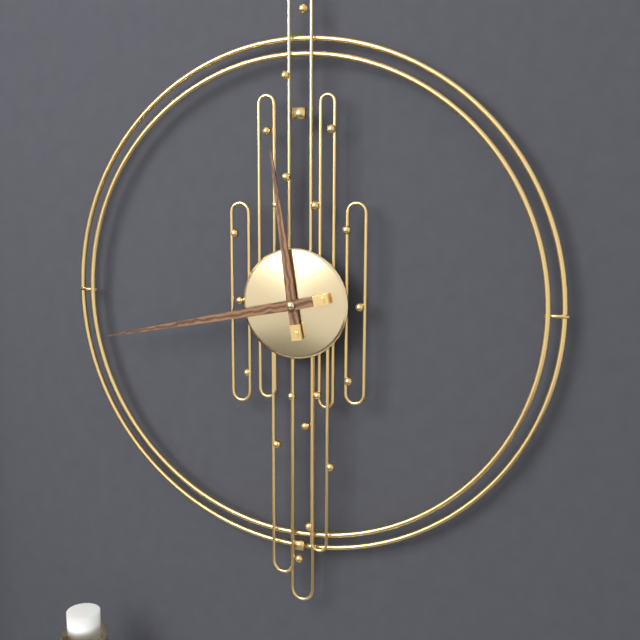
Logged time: 11 h 43 min
